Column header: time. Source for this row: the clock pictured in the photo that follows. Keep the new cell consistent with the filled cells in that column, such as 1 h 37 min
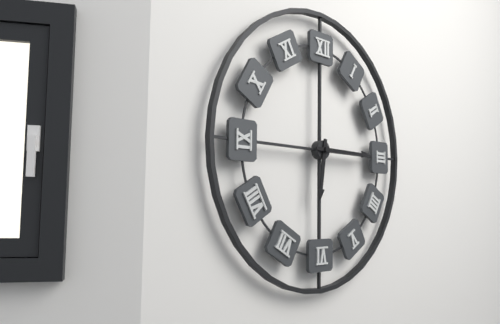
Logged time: 6 h 15 min
